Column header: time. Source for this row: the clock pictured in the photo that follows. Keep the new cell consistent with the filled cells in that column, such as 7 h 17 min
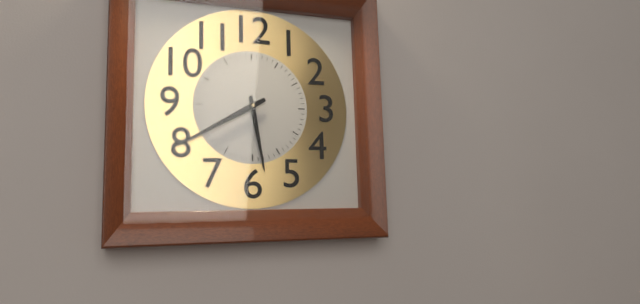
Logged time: 5 h 40 min
